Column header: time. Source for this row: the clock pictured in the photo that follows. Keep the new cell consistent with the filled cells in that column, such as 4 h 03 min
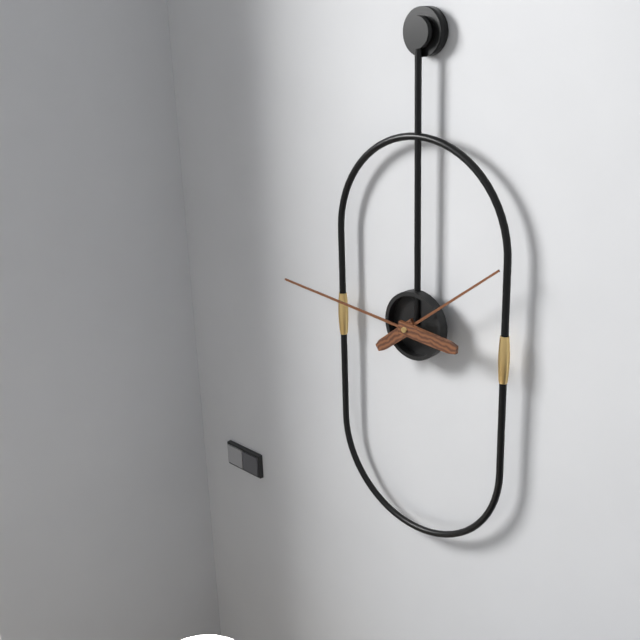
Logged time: 1 h 46 min
